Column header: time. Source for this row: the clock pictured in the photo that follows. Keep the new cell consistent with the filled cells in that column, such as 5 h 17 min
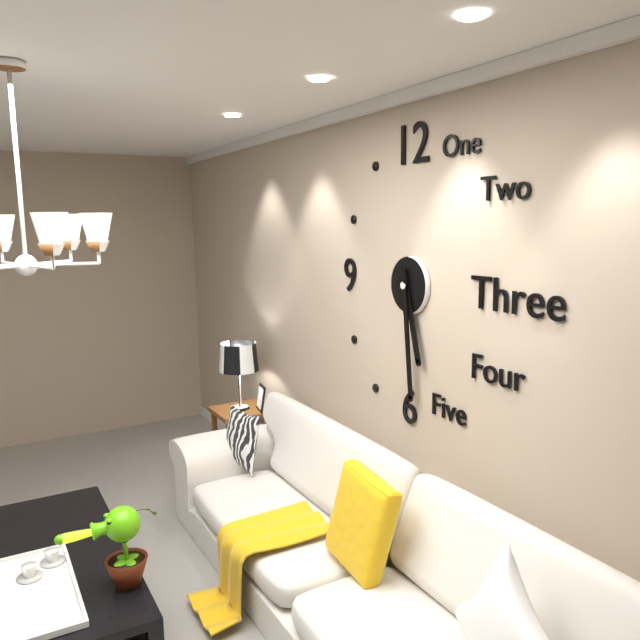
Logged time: 5 h 29 min
